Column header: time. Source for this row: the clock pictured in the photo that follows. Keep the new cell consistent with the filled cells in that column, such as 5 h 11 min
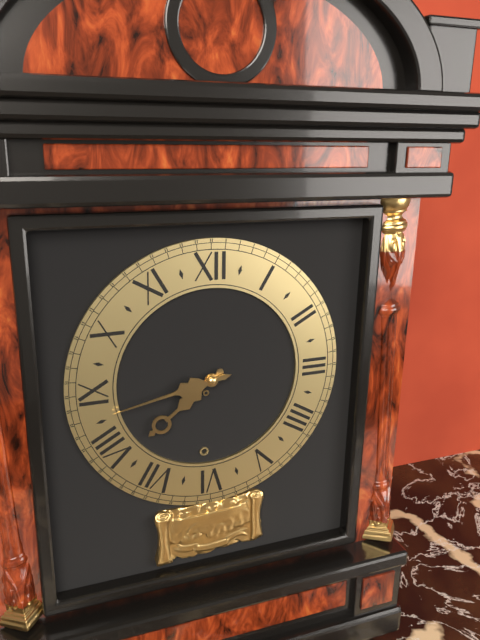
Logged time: 7 h 43 min
